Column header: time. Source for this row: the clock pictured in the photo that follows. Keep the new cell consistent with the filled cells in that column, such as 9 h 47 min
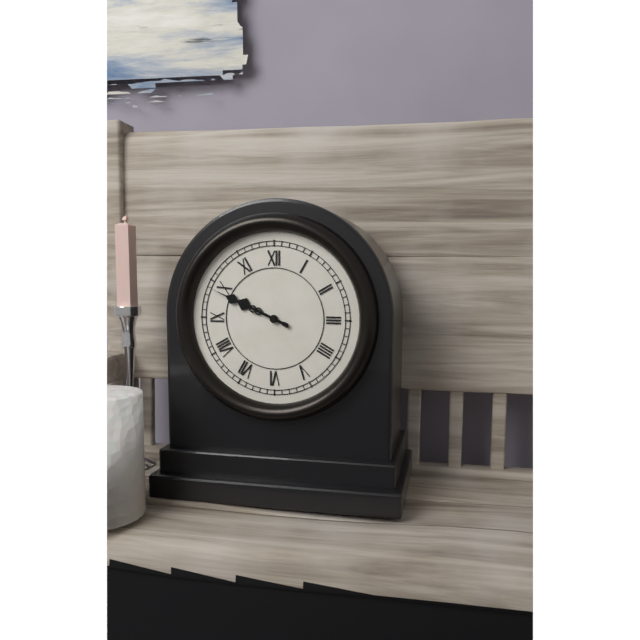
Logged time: 9 h 49 min
